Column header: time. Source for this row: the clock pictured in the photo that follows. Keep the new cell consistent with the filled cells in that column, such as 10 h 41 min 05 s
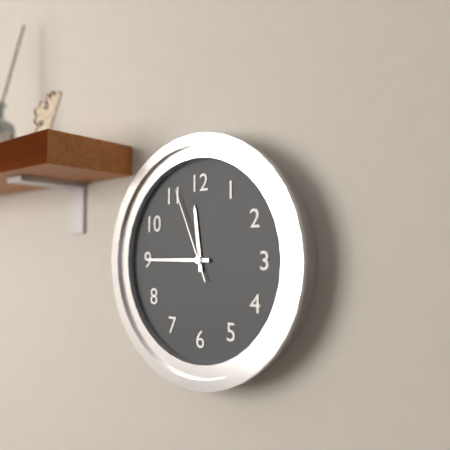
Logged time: 11 h 45 min 56 s
